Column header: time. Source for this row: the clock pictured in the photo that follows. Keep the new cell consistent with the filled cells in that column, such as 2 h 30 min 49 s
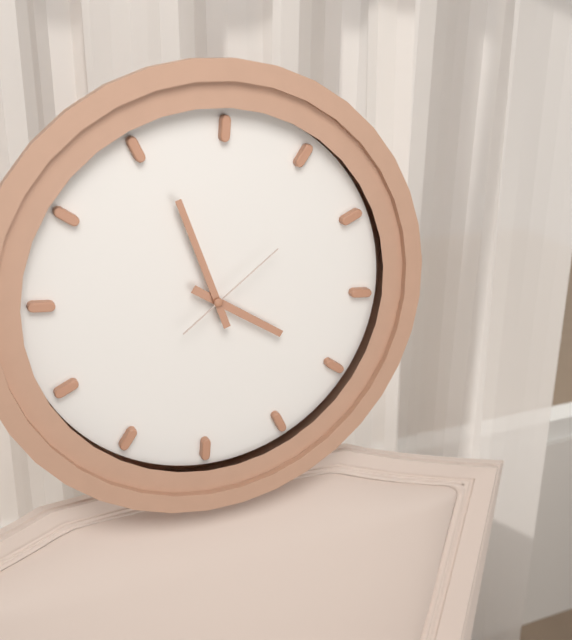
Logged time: 3 h 56 min 08 s
